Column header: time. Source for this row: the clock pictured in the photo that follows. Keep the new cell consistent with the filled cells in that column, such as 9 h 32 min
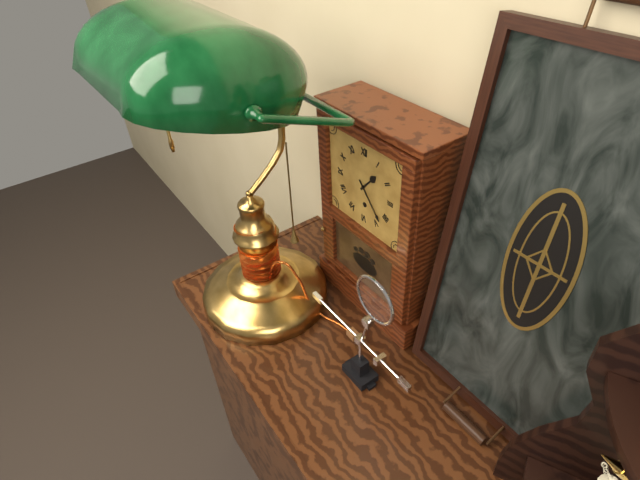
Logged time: 1 h 23 min
